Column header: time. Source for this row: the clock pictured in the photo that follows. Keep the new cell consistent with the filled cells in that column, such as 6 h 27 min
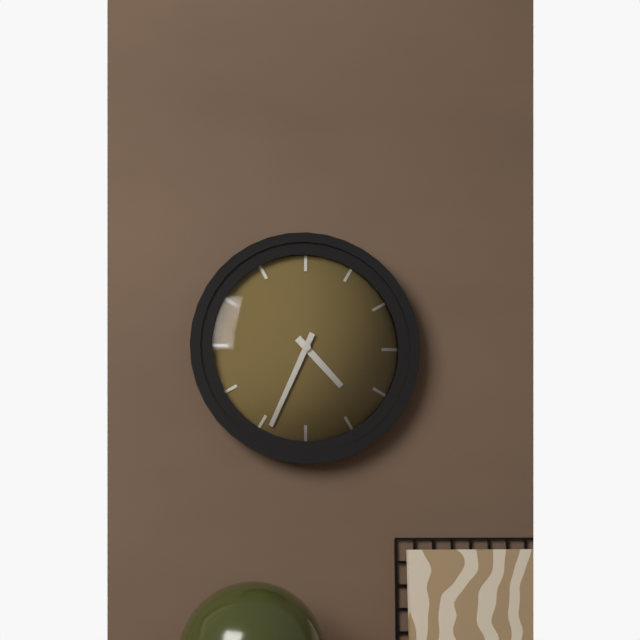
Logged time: 4 h 34 min
